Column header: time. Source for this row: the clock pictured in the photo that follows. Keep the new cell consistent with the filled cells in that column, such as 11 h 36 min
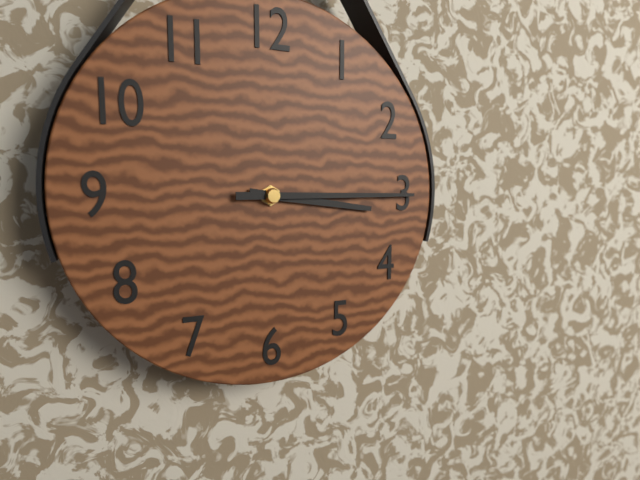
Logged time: 3 h 15 min
